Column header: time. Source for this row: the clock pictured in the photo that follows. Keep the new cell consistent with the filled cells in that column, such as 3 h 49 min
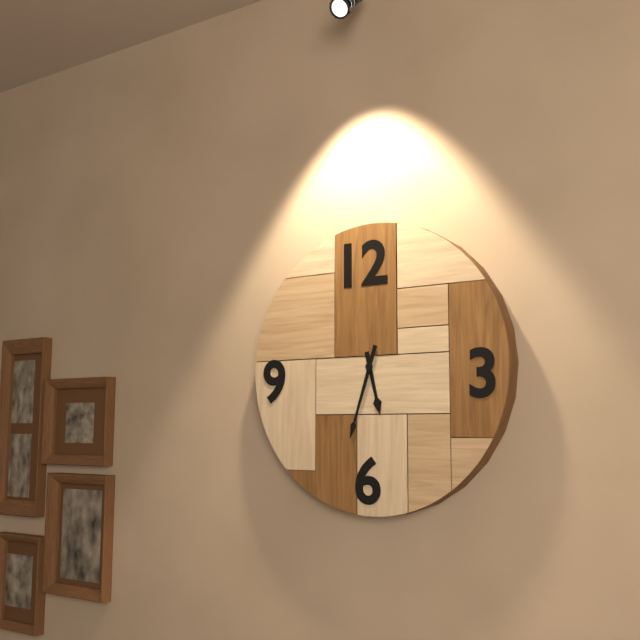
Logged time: 5 h 33 min
